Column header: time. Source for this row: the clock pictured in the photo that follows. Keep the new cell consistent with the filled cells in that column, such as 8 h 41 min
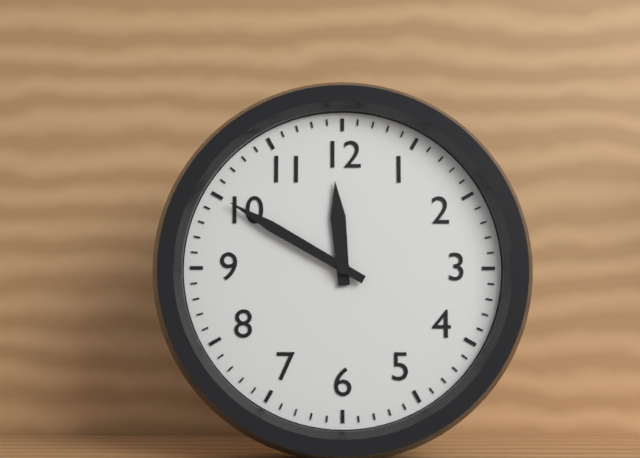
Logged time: 11 h 50 min
